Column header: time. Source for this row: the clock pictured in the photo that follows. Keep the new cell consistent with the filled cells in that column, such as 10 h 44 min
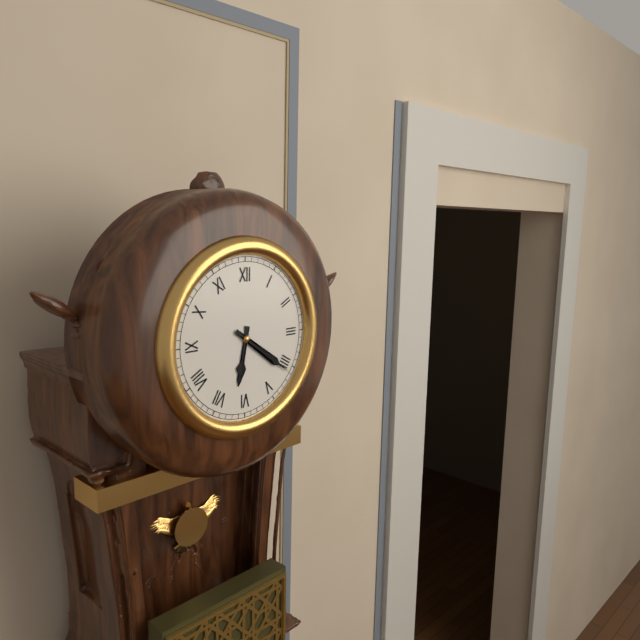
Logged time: 6 h 21 min
